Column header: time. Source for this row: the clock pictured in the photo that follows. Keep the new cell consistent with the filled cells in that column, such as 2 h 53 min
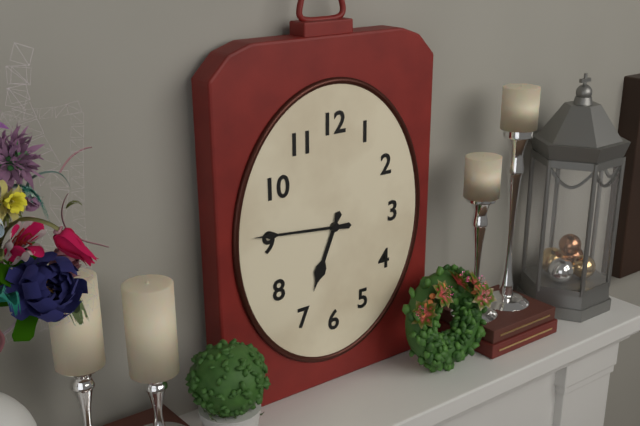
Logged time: 6 h 46 min
